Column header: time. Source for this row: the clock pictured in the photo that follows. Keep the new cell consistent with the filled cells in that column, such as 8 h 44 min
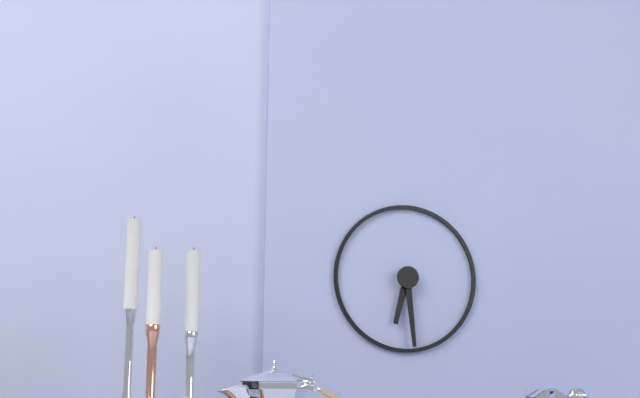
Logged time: 6 h 29 min
